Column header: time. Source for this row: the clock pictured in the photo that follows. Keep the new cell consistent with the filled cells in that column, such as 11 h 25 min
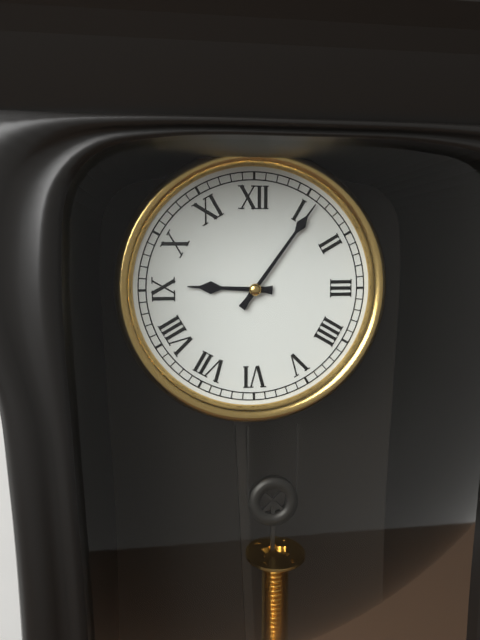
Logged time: 9 h 06 min
